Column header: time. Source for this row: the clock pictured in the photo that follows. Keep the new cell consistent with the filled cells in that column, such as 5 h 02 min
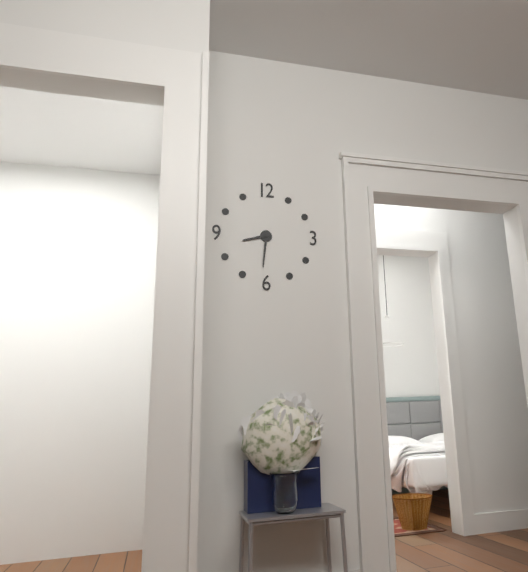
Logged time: 8 h 31 min
